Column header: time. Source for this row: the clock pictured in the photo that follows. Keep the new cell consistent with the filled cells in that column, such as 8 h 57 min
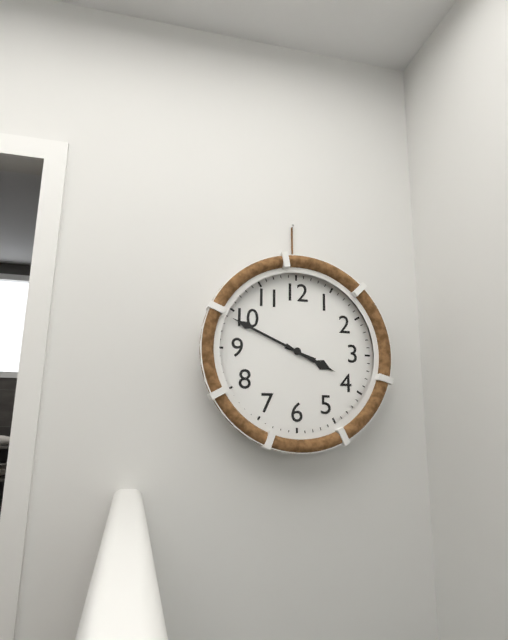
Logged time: 3 h 49 min
